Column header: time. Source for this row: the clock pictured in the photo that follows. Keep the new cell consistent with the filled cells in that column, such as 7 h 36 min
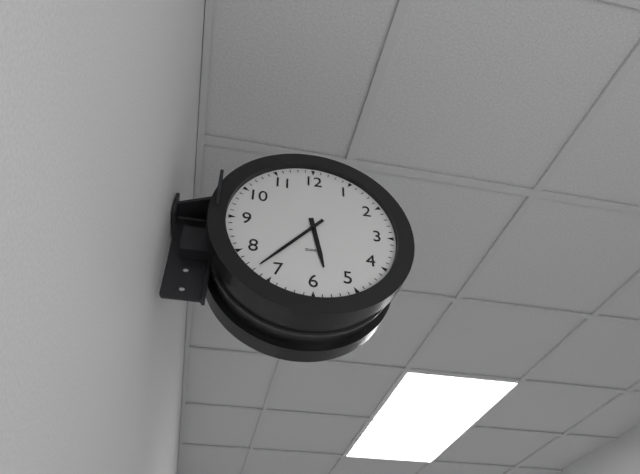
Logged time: 5 h 37 min
